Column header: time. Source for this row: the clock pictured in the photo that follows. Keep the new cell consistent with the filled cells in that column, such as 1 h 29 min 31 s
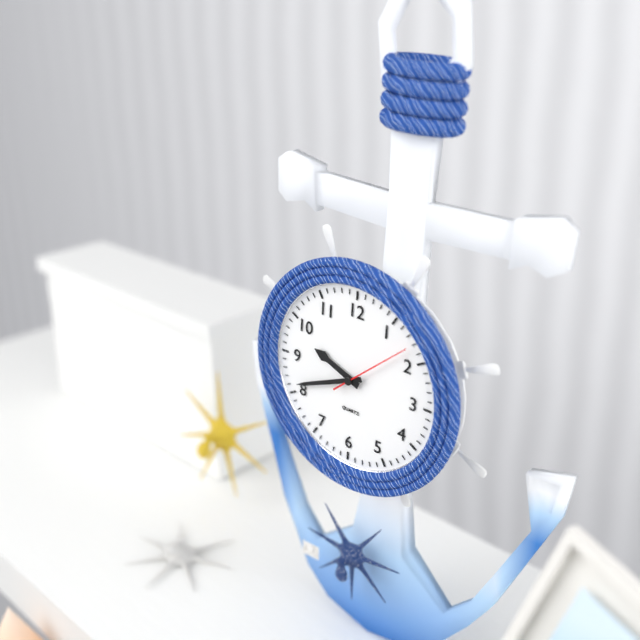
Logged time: 9 h 41 min 08 s
